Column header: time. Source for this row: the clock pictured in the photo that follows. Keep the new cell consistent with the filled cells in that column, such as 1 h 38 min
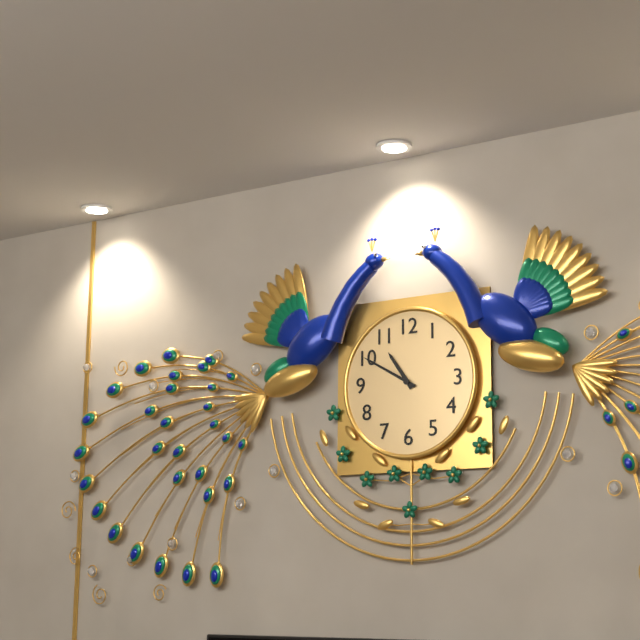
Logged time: 10 h 50 min
